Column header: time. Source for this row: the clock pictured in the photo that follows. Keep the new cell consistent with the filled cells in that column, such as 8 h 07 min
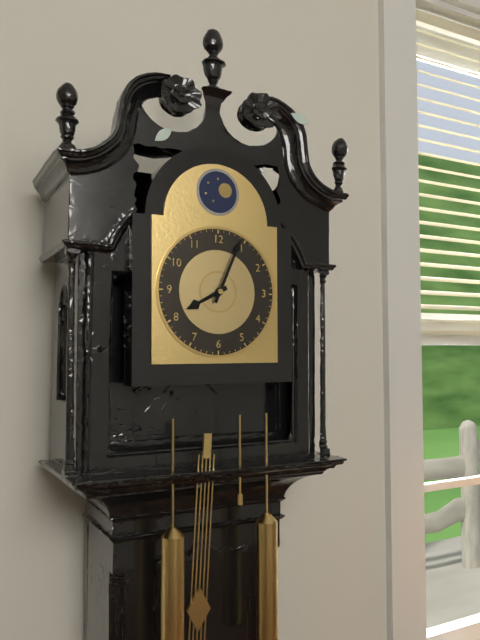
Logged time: 8 h 04 min
